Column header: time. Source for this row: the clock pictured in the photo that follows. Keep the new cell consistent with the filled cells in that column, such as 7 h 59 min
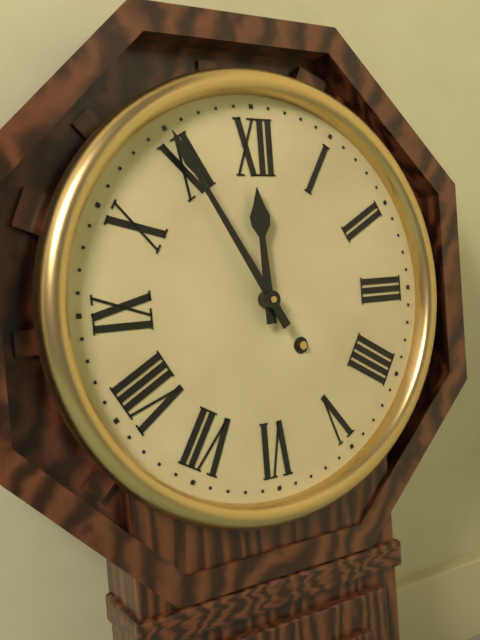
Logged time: 11 h 55 min
